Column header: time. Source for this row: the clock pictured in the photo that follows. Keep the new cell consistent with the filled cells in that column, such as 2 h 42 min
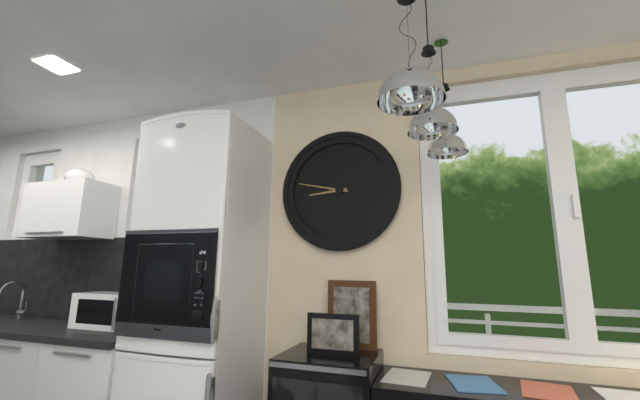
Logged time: 8 h 47 min
